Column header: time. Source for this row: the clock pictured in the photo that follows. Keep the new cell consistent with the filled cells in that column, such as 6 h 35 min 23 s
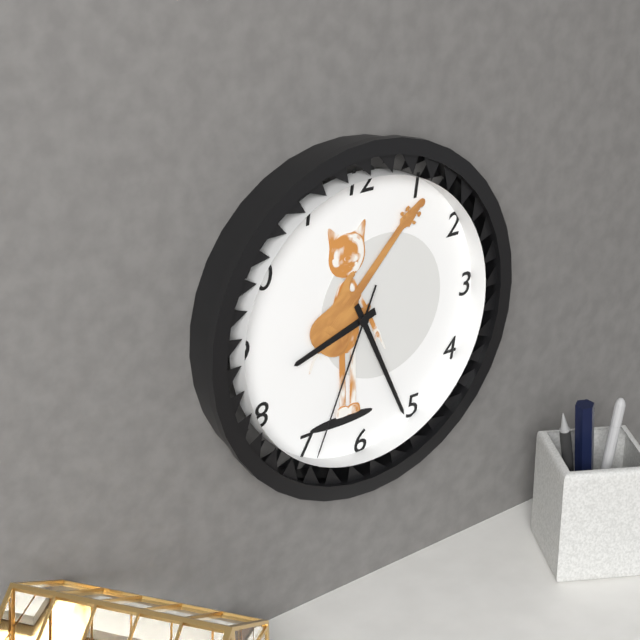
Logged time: 8 h 26 min 34 s
